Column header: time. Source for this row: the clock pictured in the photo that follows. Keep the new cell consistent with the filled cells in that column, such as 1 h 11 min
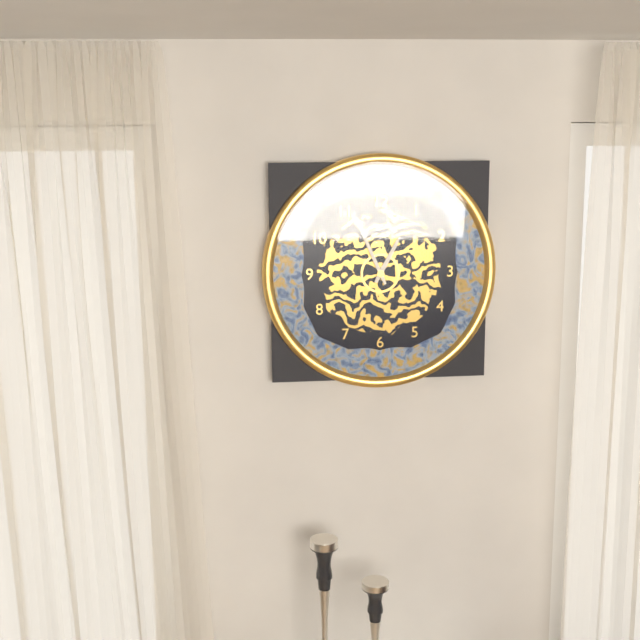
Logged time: 12 h 56 min
